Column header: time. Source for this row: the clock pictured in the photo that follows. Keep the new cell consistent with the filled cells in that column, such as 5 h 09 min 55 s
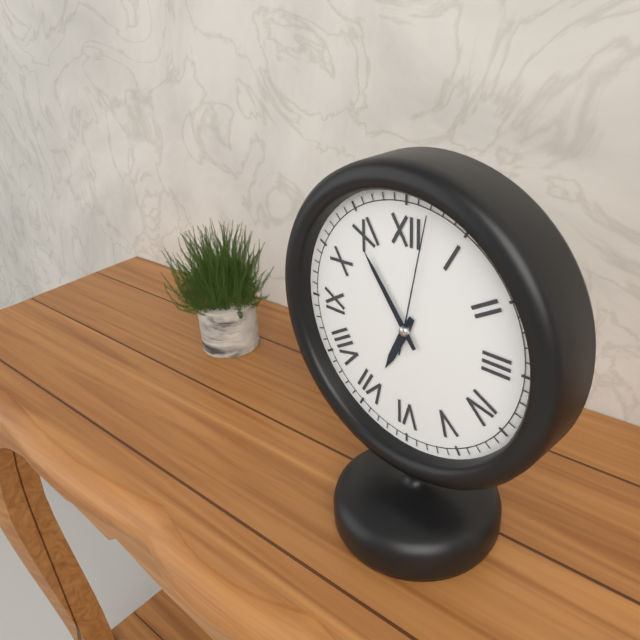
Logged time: 6 h 54 min 02 s
